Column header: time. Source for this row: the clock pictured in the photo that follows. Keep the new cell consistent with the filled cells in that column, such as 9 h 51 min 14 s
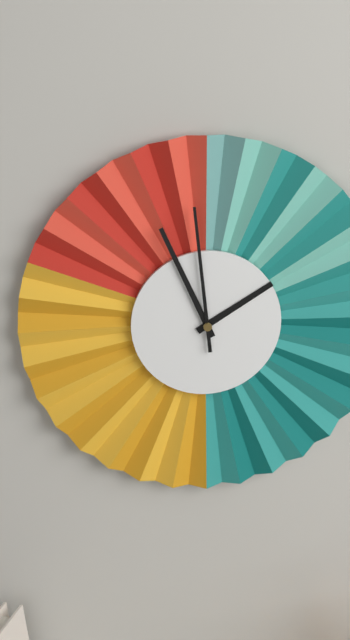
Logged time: 1 h 56 min 59 s
